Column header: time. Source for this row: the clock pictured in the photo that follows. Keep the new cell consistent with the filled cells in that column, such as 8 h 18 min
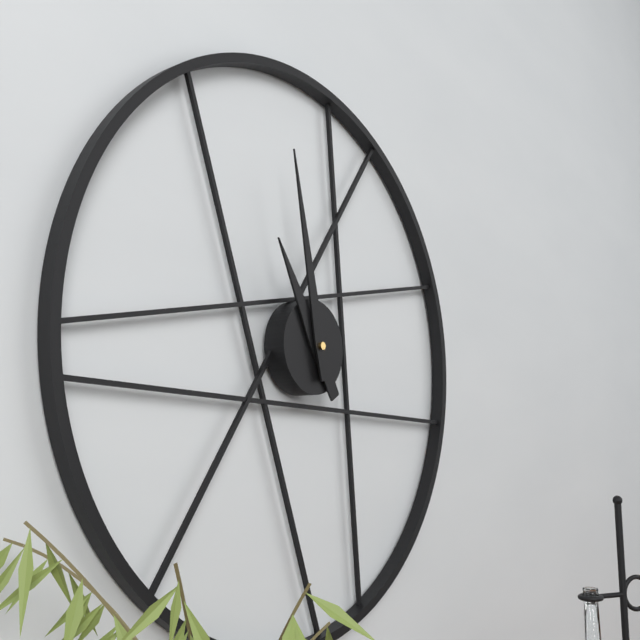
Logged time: 10 h 58 min
